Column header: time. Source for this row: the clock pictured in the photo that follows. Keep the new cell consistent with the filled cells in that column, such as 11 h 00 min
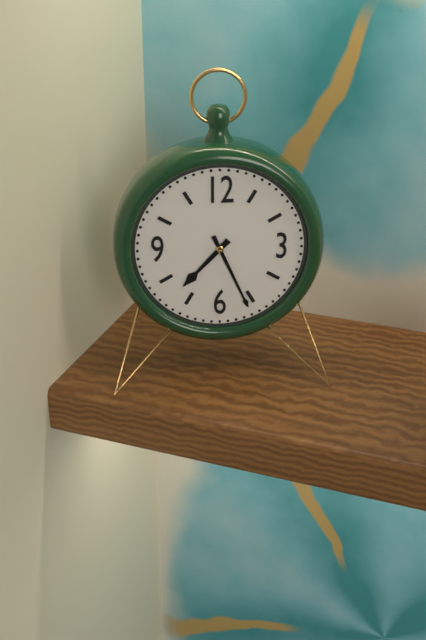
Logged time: 7 h 26 min
